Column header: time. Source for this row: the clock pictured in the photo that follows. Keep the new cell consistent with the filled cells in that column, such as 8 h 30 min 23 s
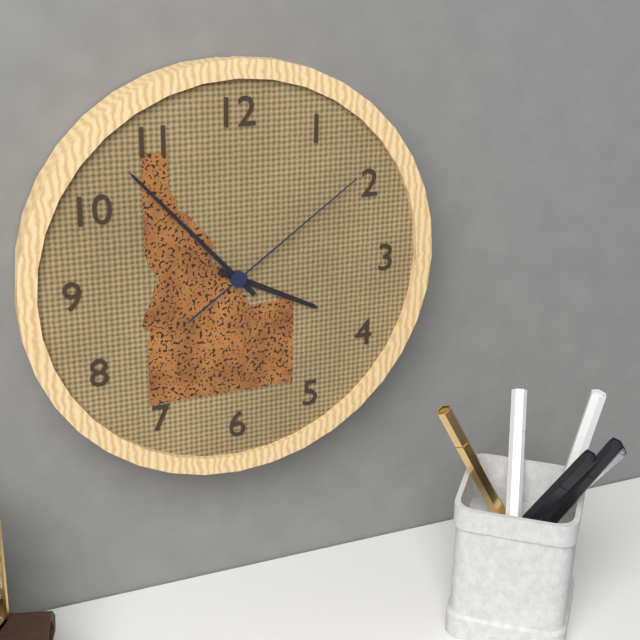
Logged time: 3 h 53 min 09 s
